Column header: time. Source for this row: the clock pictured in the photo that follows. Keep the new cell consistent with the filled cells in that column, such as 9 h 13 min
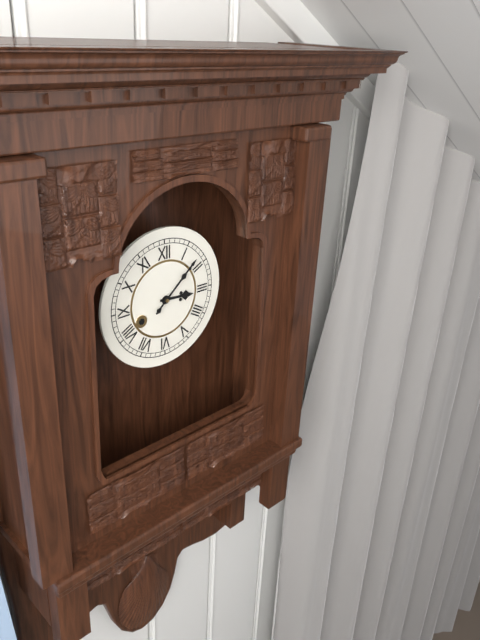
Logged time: 3 h 08 min
